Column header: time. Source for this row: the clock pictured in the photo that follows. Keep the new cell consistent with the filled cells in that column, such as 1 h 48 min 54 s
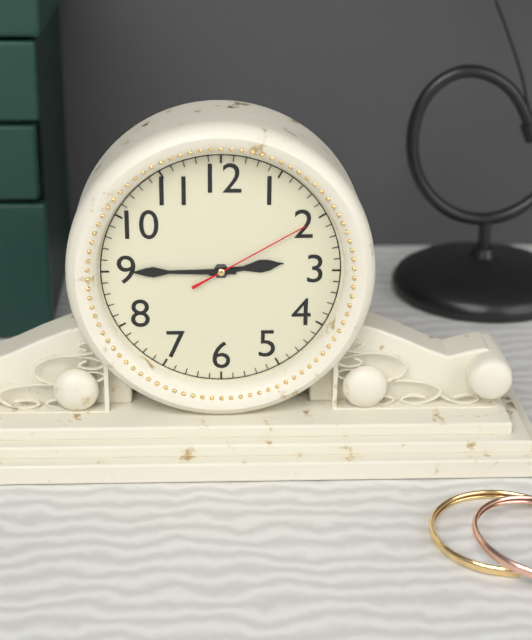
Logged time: 2 h 45 min 10 s
